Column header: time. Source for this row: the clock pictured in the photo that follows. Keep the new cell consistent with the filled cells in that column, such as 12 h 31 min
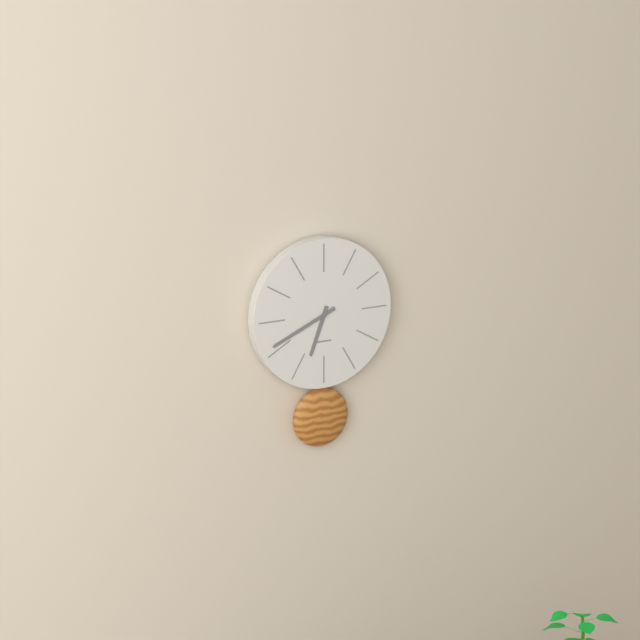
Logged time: 6 h 41 min
